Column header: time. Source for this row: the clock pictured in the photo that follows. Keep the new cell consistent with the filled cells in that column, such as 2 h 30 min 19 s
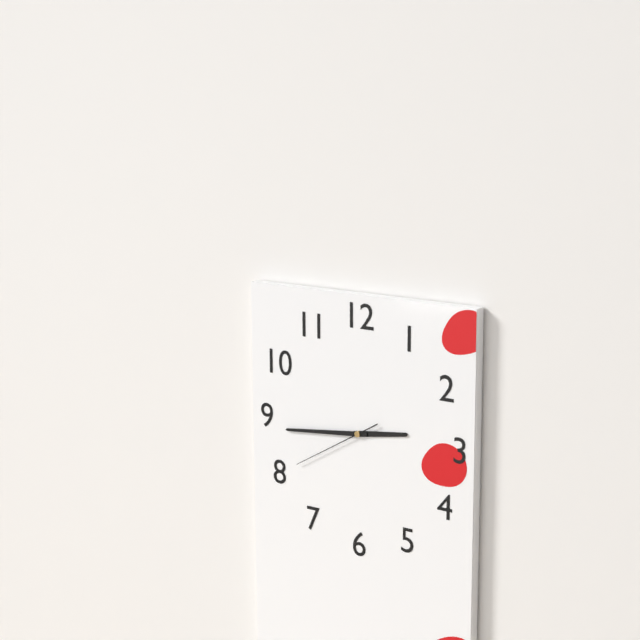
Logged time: 2 h 44 min 40 s
